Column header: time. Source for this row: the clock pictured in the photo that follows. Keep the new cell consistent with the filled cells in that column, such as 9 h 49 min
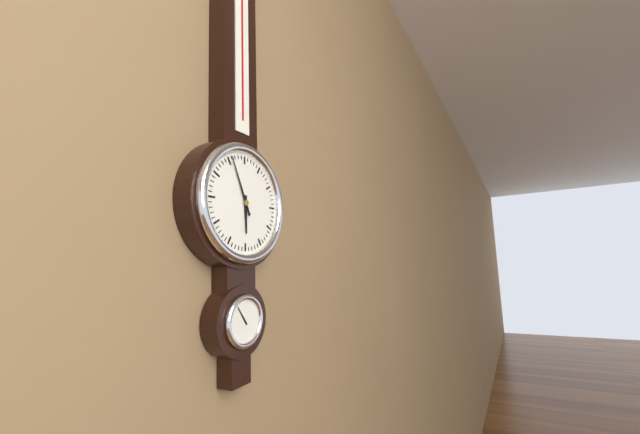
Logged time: 5 h 56 min
